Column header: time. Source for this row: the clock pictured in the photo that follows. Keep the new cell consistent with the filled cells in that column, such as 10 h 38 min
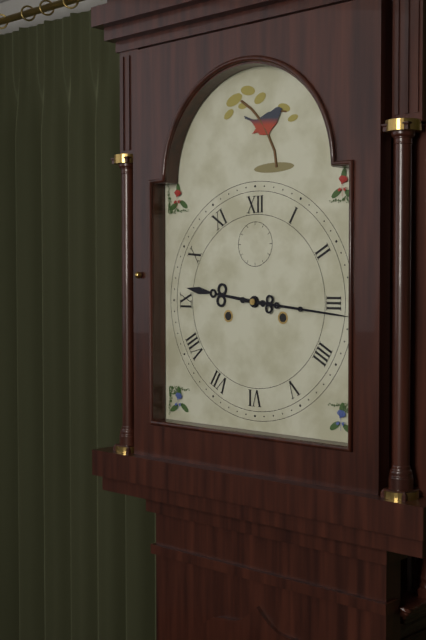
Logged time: 9 h 16 min
